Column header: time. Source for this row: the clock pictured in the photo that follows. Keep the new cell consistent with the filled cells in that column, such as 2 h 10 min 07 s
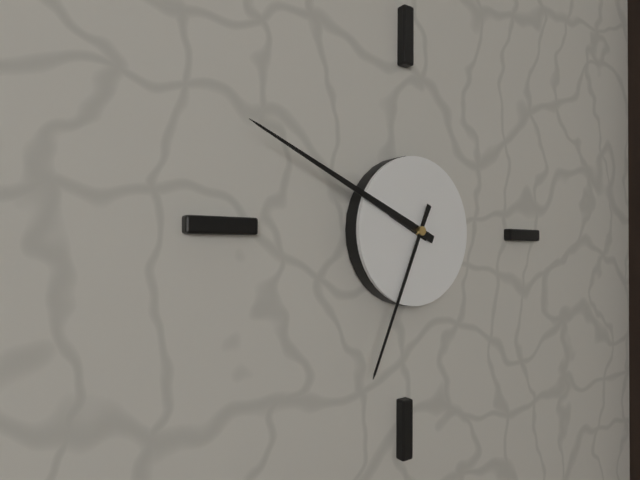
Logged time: 9 h 49 min 34 s
